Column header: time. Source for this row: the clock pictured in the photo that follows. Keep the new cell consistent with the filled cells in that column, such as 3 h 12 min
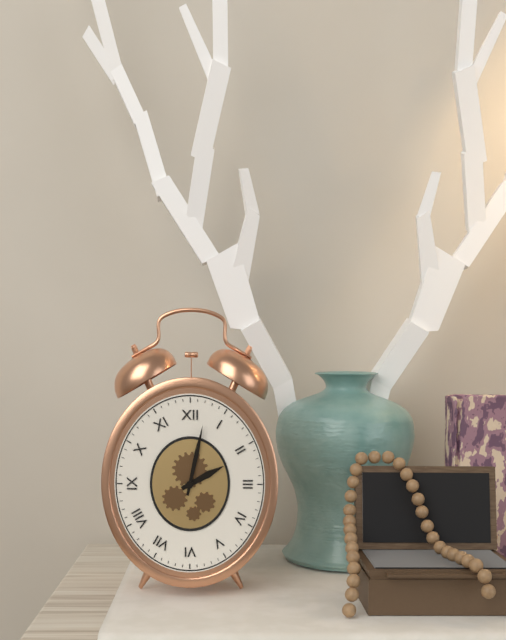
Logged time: 2 h 02 min
